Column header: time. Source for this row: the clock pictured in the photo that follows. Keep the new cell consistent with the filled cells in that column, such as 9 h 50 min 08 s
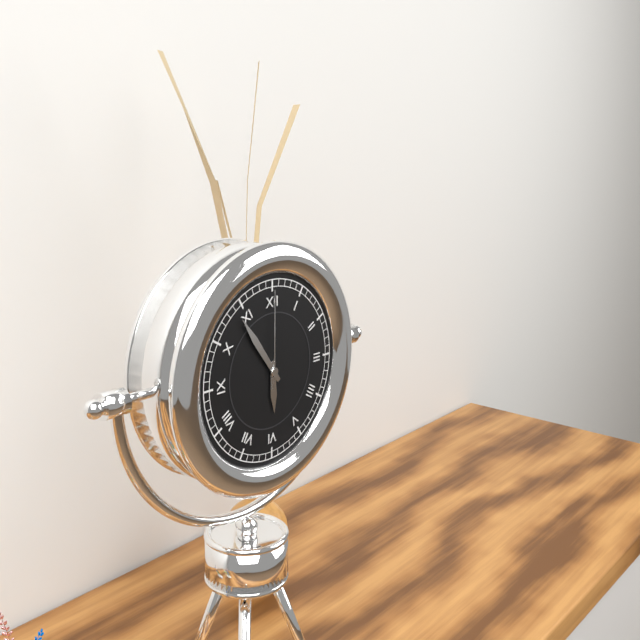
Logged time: 5 h 54 min 00 s
